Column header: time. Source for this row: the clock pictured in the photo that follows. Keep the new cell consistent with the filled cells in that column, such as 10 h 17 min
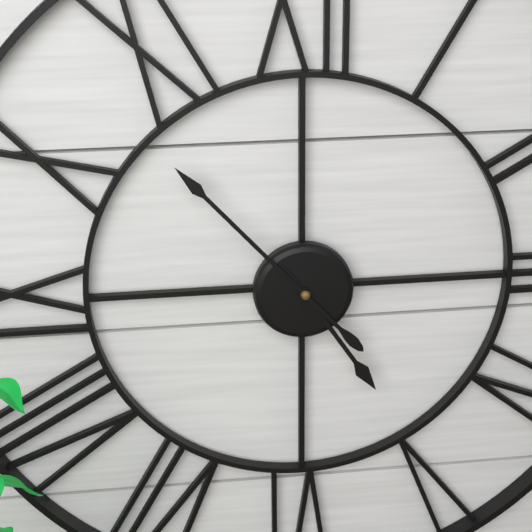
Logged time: 4 h 53 min
